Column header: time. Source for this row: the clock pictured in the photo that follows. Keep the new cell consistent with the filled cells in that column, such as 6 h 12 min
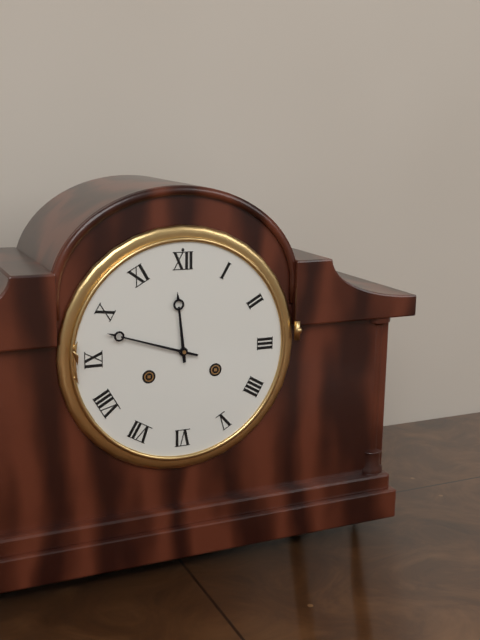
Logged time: 11 h 48 min
